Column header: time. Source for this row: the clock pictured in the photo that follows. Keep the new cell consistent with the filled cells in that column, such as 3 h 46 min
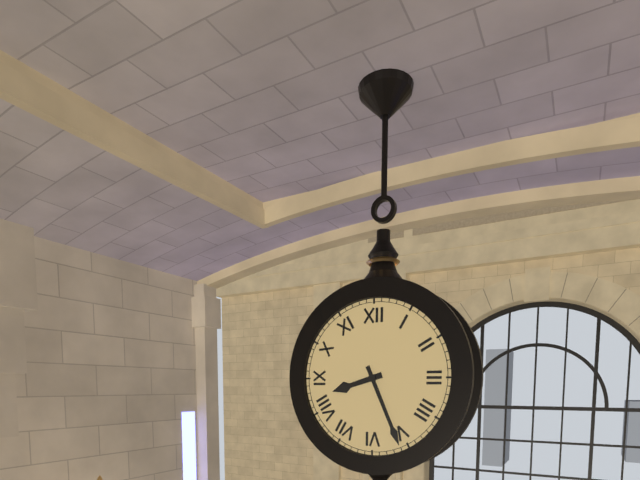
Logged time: 8 h 26 min
